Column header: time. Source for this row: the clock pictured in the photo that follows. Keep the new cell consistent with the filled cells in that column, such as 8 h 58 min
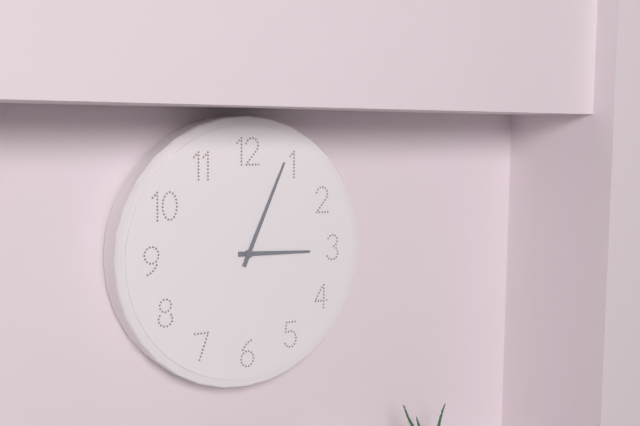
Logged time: 3 h 04 min
